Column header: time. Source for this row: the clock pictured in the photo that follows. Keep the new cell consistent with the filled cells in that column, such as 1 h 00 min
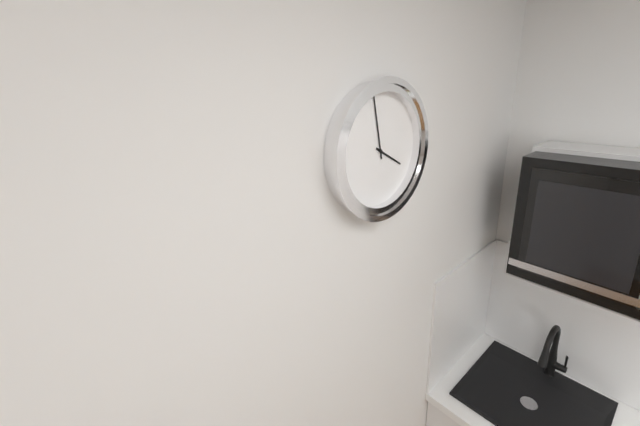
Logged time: 3 h 58 min
